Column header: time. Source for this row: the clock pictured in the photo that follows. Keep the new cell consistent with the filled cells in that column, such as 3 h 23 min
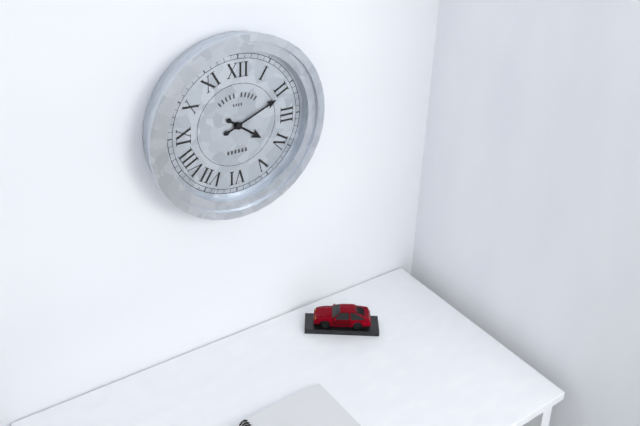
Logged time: 4 h 11 min
